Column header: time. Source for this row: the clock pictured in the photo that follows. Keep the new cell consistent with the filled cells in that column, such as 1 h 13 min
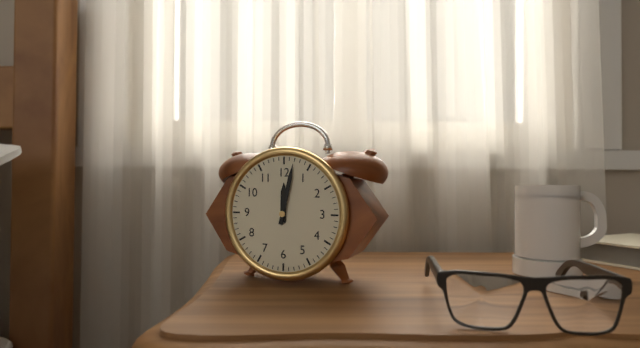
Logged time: 12 h 02 min
